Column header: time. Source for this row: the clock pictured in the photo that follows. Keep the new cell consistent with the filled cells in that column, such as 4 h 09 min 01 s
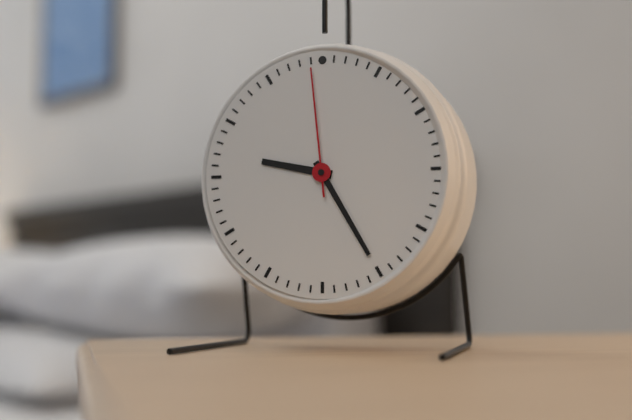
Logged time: 9 h 25 min 59 s
